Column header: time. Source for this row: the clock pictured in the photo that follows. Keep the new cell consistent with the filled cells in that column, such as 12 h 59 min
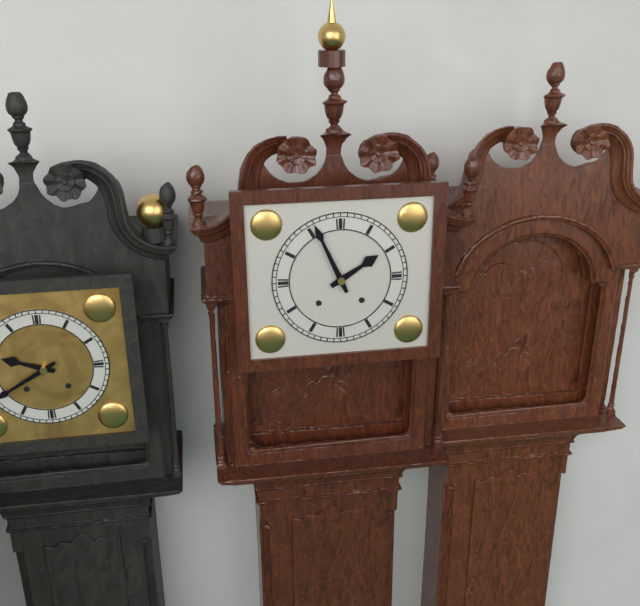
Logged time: 1 h 56 min
